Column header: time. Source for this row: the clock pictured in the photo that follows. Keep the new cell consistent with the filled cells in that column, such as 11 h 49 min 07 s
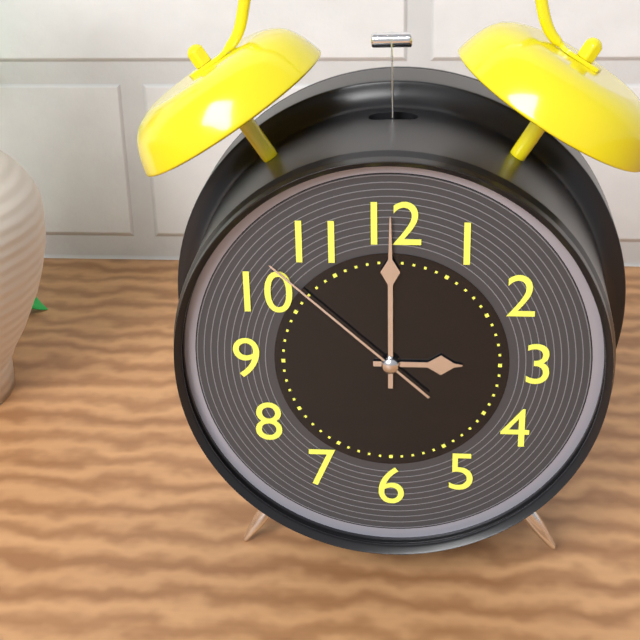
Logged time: 3 h 00 min 52 s
